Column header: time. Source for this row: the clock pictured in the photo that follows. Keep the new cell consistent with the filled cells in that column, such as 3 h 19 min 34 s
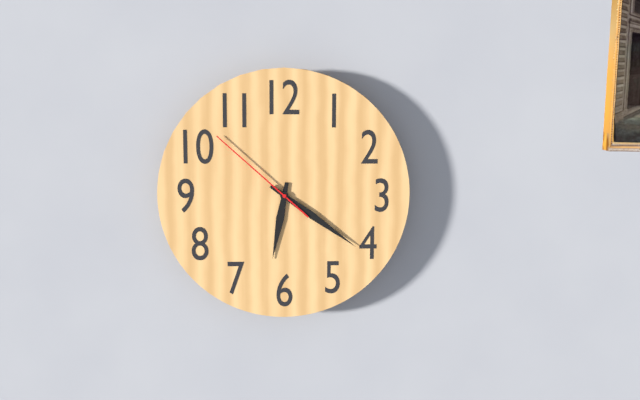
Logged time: 6 h 21 min 52 s
